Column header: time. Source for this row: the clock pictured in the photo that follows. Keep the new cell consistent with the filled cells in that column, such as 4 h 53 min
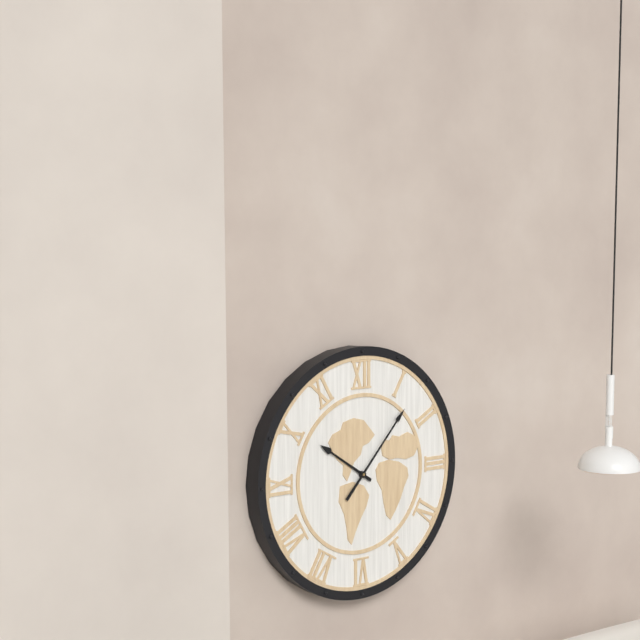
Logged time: 10 h 07 min
